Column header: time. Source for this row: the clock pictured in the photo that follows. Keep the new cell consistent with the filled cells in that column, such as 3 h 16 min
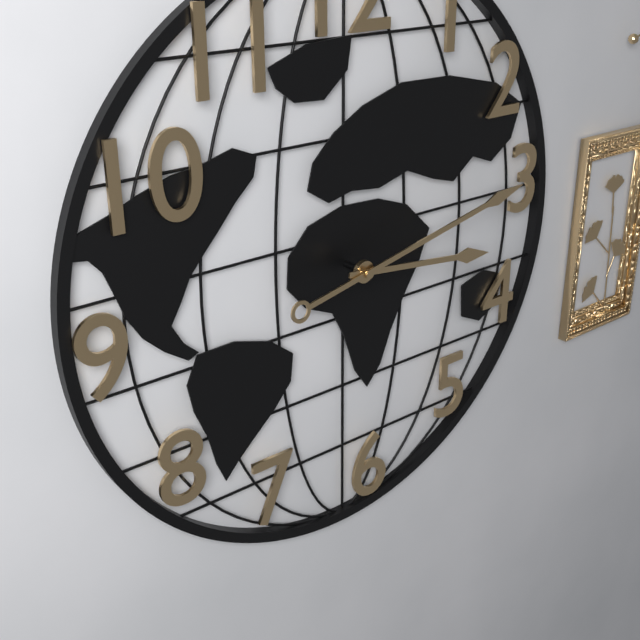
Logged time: 3 h 13 min
